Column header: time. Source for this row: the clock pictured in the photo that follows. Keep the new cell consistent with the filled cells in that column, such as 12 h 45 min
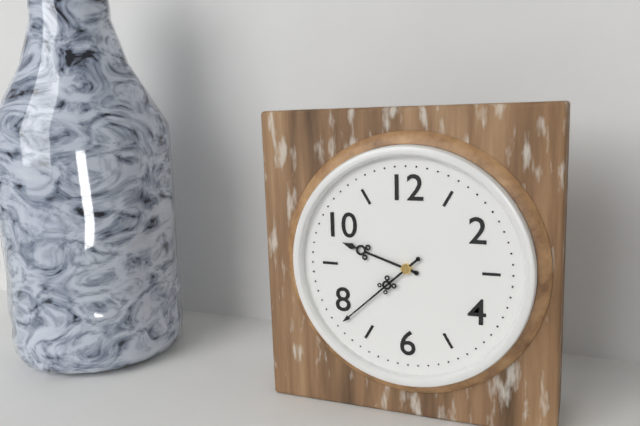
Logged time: 9 h 38 min
